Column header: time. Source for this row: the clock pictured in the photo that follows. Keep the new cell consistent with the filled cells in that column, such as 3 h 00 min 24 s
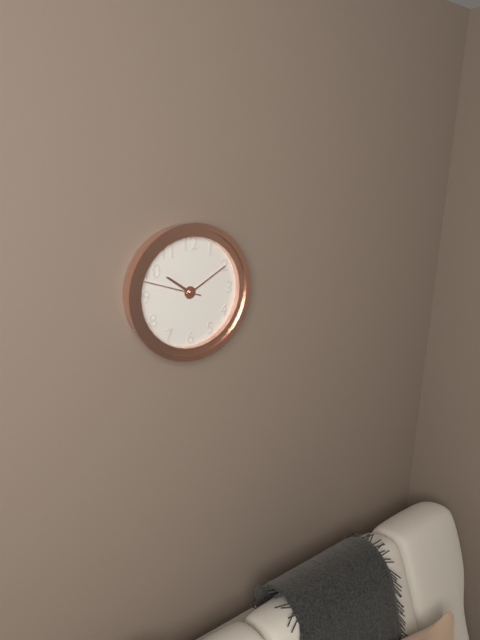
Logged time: 10 h 10 min 48 s
